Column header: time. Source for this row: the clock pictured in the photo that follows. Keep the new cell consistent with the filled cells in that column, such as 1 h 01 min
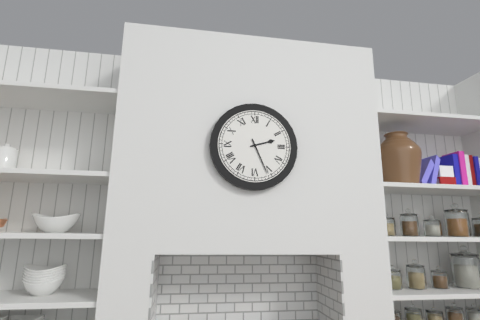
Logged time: 2 h 26 min
